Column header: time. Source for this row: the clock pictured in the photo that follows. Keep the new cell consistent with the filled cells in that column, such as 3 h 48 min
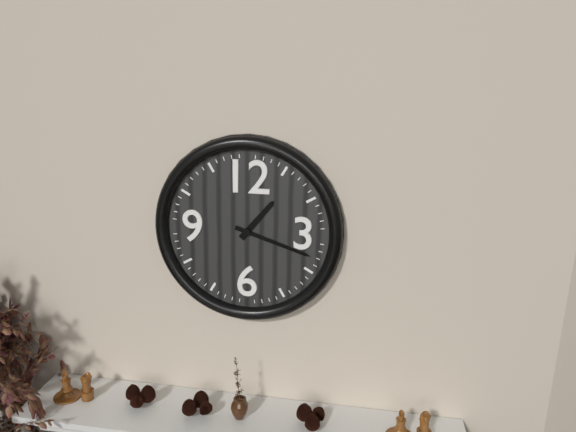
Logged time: 1 h 18 min
